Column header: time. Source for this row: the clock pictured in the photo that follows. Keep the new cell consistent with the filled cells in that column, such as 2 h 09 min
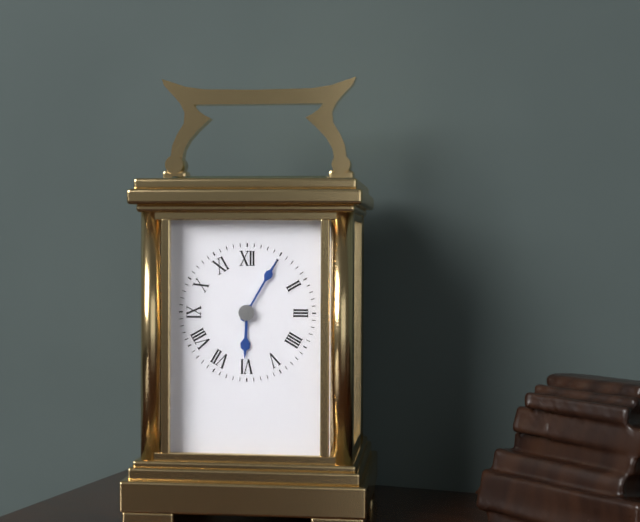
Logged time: 6 h 05 min
